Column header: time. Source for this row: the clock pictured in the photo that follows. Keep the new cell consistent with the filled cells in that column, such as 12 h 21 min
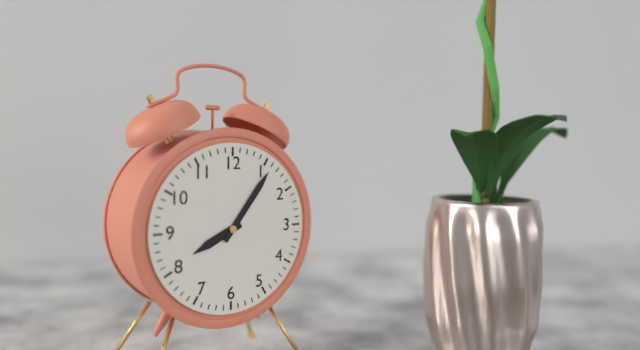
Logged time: 8 h 06 min
